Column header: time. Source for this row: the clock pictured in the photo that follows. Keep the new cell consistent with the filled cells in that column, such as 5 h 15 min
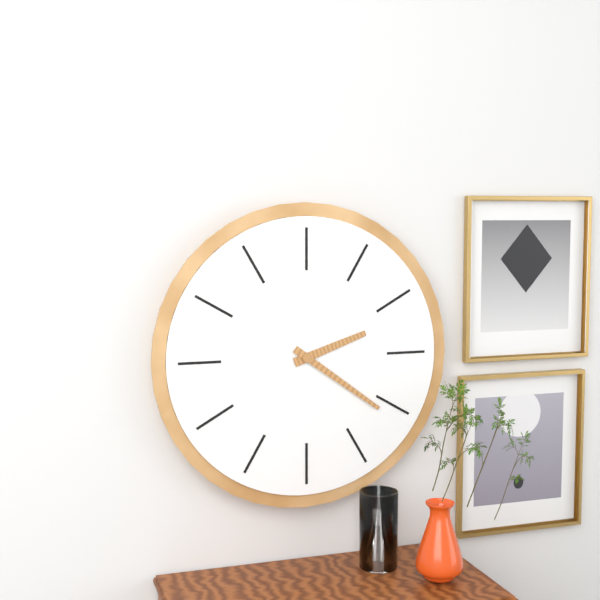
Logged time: 2 h 21 min
